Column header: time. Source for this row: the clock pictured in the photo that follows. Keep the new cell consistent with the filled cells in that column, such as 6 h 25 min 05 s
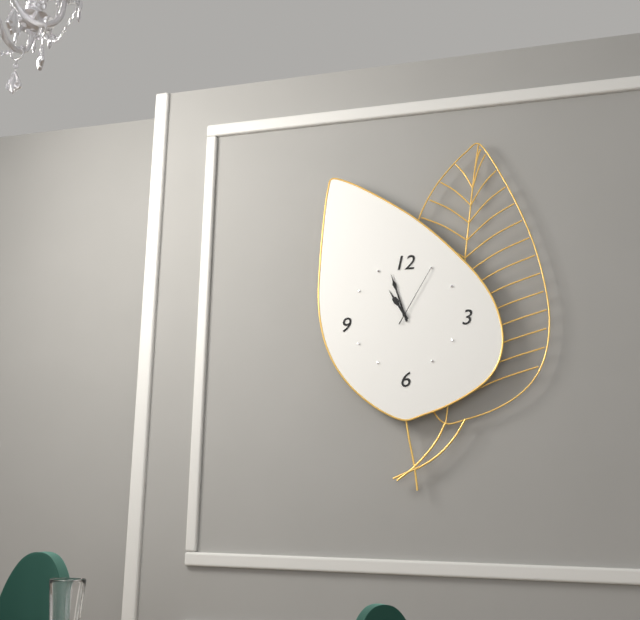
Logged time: 10 h 57 min 05 s
